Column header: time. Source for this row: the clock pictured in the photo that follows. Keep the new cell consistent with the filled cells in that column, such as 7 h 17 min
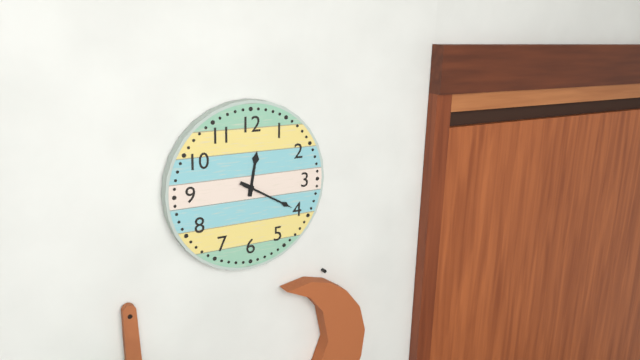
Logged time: 12 h 20 min
